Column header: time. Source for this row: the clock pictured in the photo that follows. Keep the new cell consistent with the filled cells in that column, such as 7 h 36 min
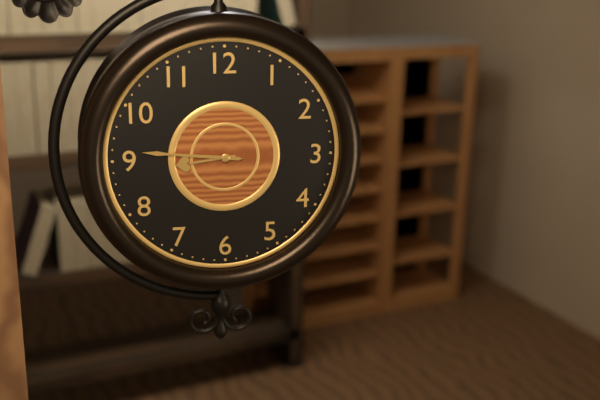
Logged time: 8 h 46 min
